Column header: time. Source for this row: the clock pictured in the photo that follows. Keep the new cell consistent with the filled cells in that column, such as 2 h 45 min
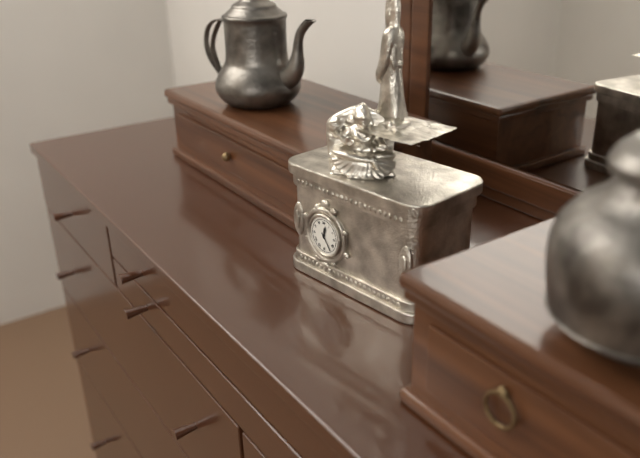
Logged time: 12 h 24 min
